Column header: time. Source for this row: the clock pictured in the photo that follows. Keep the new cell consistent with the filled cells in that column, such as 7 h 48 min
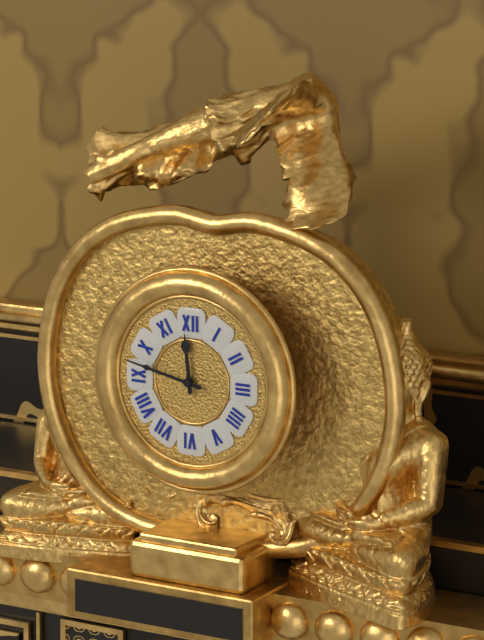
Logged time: 11 h 47 min
